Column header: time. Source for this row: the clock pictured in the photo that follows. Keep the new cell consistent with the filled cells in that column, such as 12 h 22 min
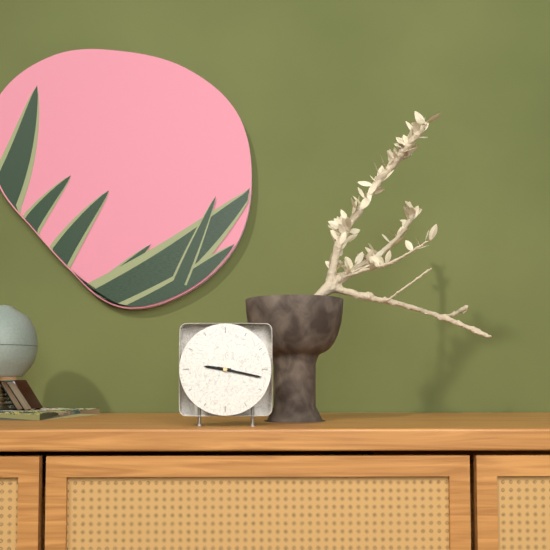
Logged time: 9 h 17 min
